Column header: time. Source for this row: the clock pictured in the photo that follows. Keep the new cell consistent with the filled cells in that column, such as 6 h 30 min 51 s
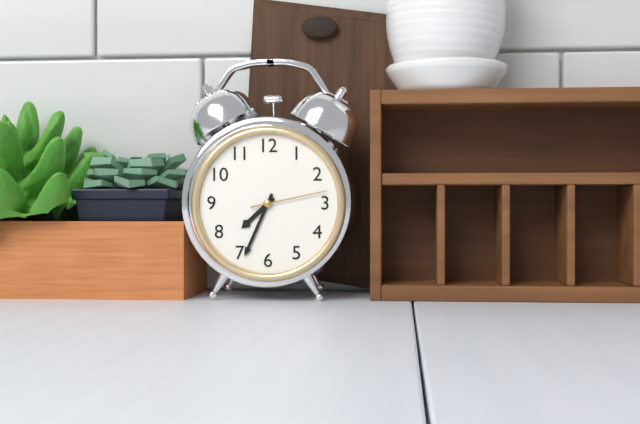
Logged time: 7 h 34 min 13 s
